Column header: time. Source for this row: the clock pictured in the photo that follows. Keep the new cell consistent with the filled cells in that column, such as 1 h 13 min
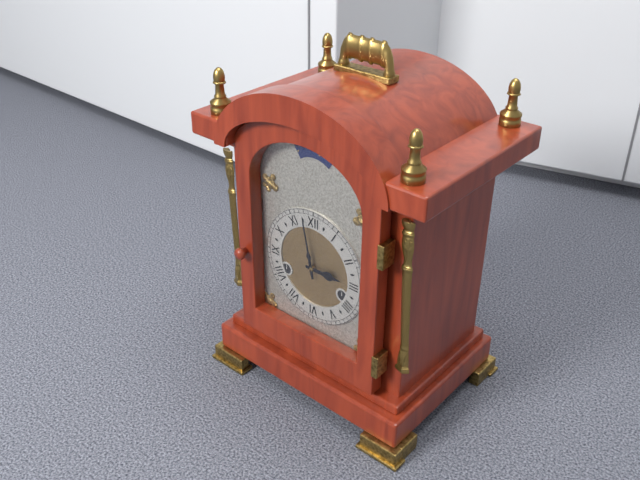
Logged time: 2 h 58 min
